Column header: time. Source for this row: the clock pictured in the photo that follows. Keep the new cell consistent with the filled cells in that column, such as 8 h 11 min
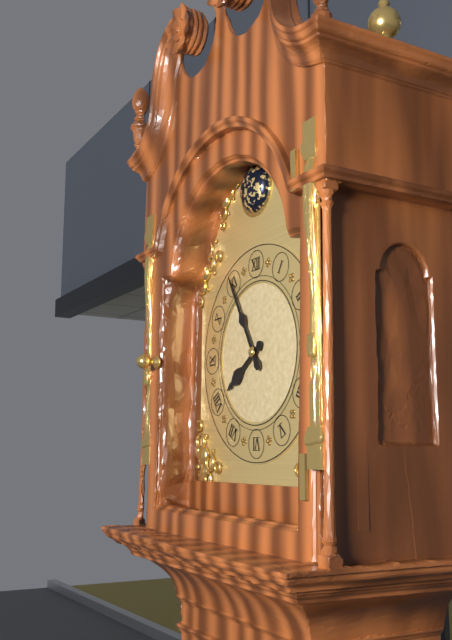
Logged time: 7 h 55 min
